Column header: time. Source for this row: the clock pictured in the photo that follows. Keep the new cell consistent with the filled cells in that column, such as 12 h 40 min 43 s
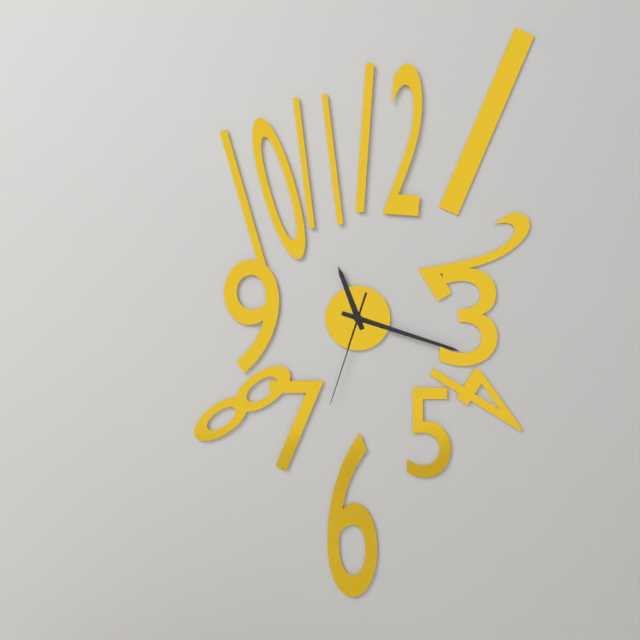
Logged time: 11 h 18 min 33 s
